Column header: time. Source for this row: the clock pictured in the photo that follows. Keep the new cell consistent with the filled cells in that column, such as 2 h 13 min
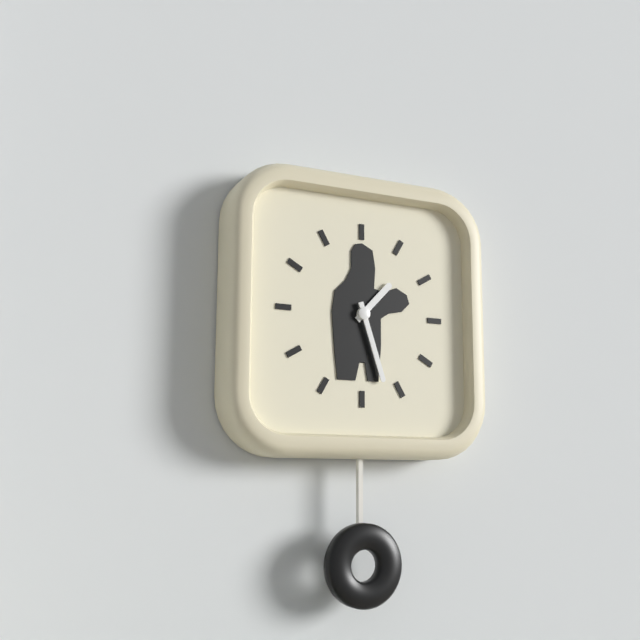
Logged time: 1 h 27 min
